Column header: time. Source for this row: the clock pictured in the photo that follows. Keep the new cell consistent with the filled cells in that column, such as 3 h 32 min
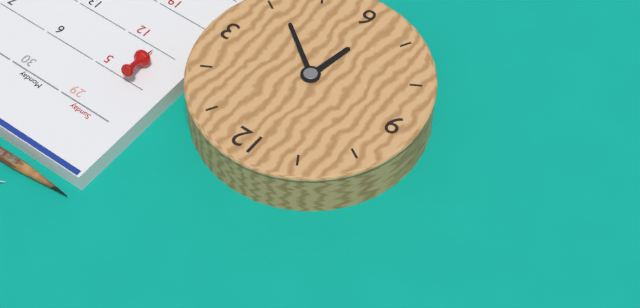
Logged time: 6 h 21 min
